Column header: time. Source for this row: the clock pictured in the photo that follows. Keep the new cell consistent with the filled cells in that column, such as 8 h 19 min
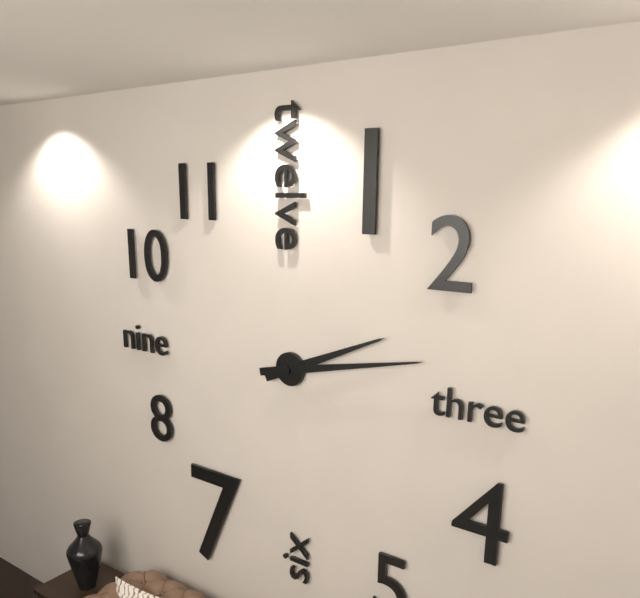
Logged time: 2 h 13 min
